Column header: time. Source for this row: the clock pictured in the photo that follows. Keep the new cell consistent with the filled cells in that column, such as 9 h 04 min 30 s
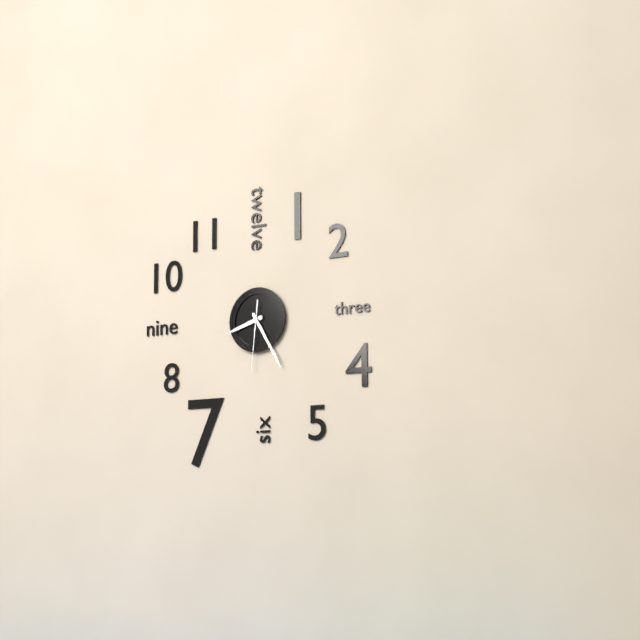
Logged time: 8 h 25 min 31 s
